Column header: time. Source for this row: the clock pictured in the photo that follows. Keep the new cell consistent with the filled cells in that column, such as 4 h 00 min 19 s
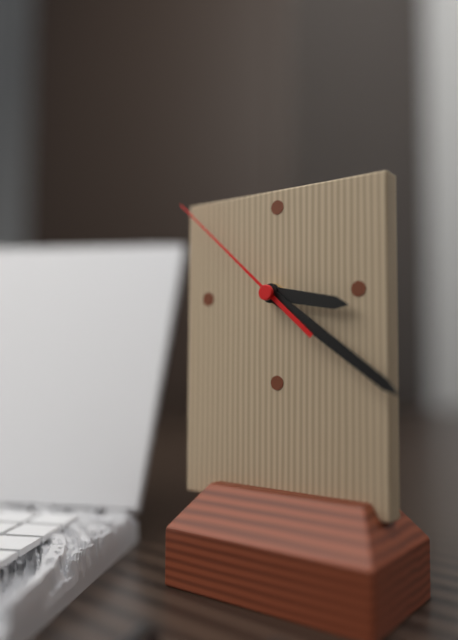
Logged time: 3 h 21 min 52 s
